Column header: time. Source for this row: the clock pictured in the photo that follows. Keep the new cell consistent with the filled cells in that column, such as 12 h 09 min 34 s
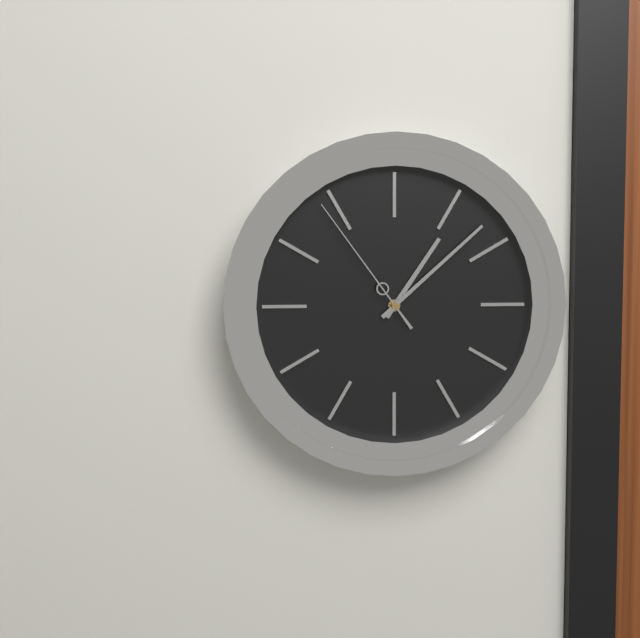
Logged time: 1 h 08 min 54 s
